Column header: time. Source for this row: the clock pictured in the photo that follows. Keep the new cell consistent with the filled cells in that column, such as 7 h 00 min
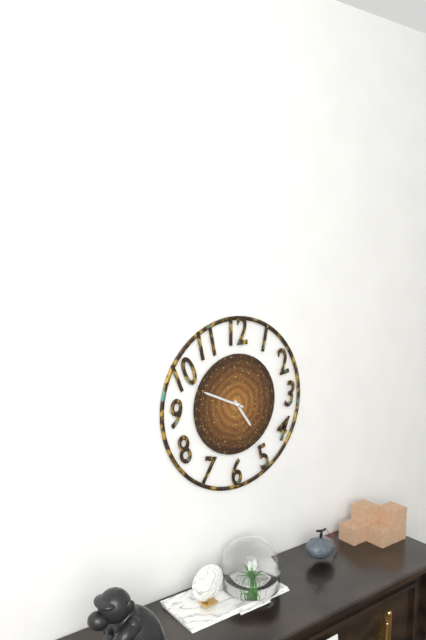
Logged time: 4 h 49 min
